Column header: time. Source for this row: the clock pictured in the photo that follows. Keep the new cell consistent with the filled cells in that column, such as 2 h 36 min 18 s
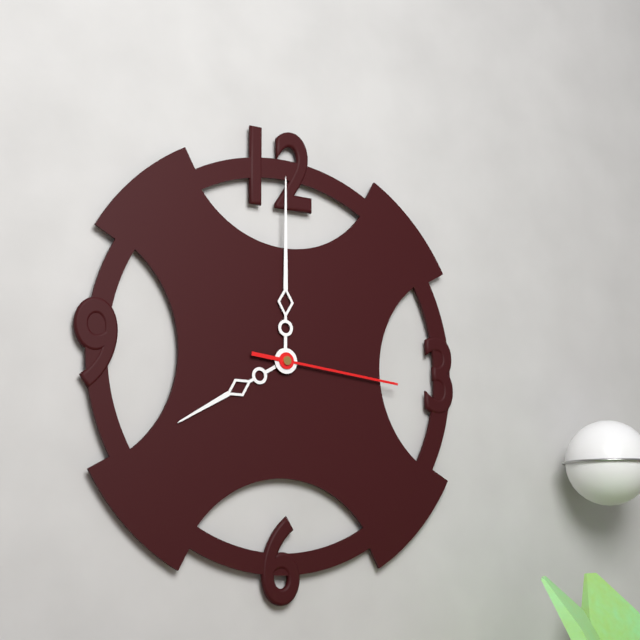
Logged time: 8 h 00 min 16 s
